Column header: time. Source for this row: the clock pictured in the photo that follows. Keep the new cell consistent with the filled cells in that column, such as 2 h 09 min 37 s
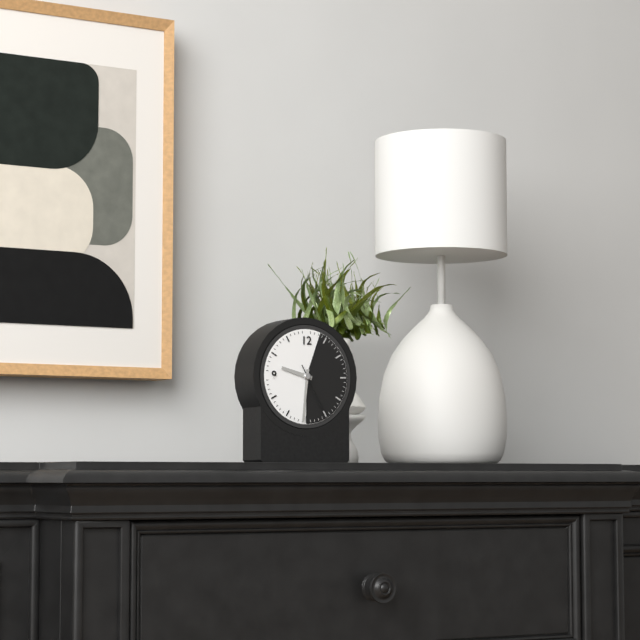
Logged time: 9 h 31 min 25 s
